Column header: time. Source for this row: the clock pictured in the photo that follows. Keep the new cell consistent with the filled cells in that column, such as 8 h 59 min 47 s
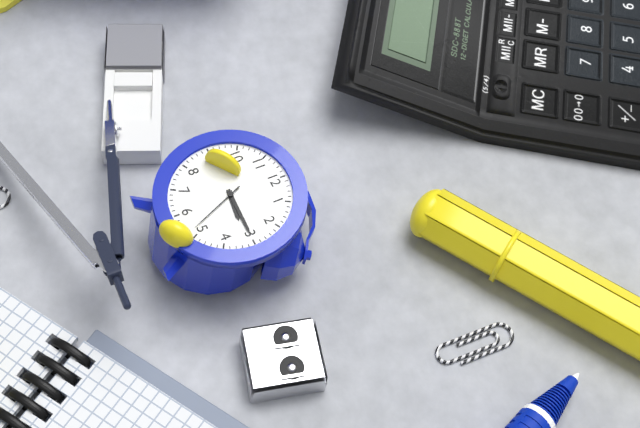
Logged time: 3 h 15 min 26 s
